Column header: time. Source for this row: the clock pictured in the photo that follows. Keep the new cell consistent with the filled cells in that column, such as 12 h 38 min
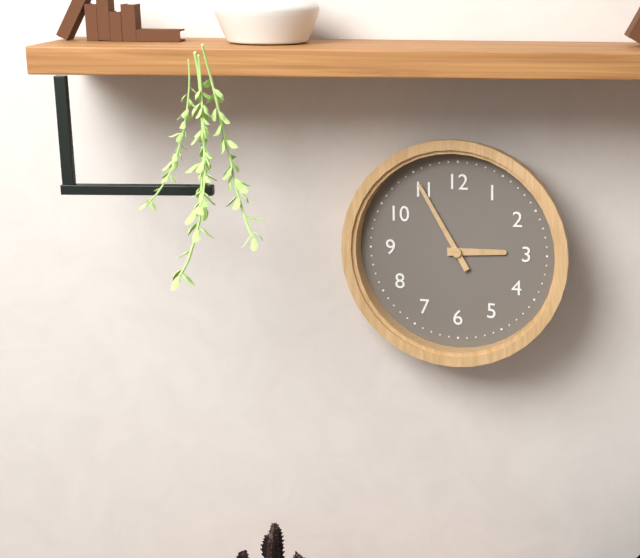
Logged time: 2 h 55 min
